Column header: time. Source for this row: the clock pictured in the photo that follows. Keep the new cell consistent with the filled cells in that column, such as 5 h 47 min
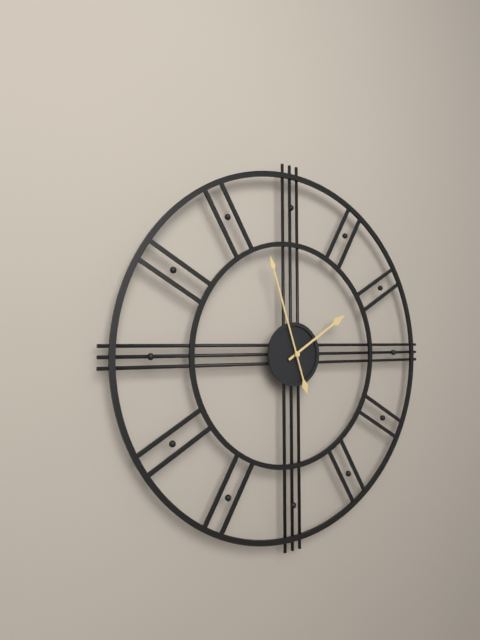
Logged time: 1 h 57 min
